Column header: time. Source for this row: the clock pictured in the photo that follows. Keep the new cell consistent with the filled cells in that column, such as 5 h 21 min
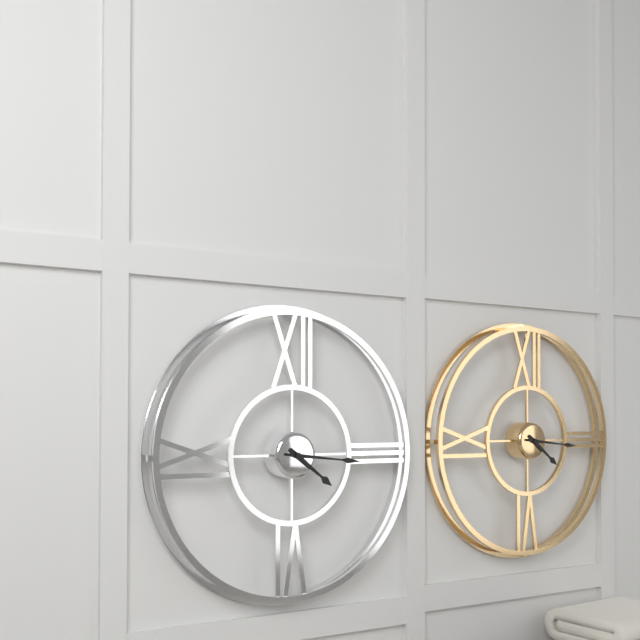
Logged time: 4 h 16 min
